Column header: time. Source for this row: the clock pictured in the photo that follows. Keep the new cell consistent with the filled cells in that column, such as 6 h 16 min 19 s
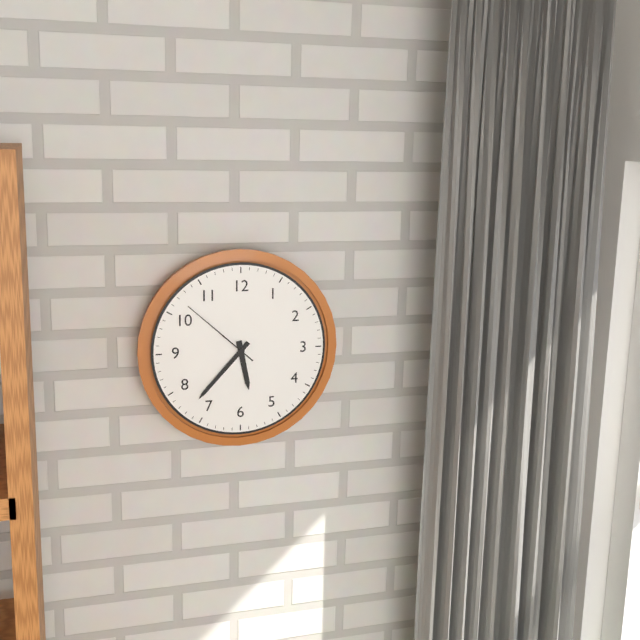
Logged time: 5 h 37 min 52 s
